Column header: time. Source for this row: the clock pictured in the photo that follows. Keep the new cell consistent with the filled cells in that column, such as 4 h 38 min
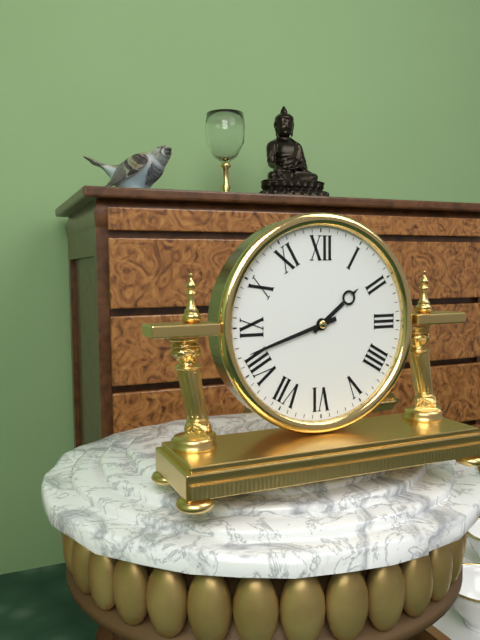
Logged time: 1 h 42 min
